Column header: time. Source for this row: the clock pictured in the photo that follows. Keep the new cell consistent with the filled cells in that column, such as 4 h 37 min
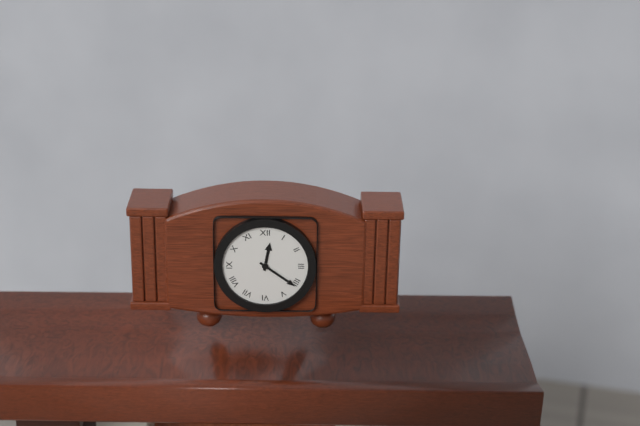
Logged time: 12 h 21 min
